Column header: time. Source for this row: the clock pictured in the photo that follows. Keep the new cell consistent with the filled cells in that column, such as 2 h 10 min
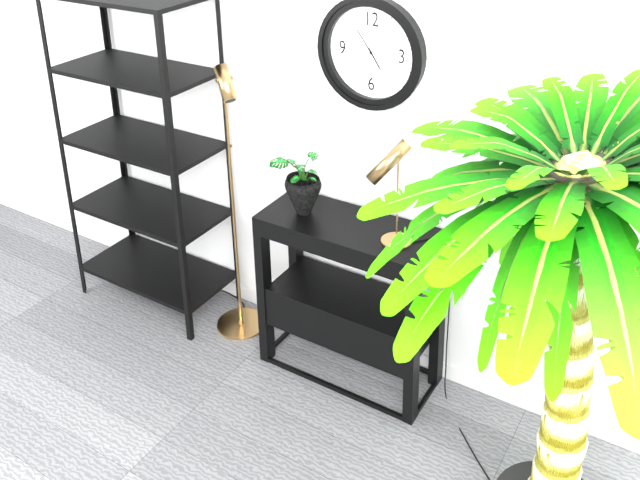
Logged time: 4 h 54 min
